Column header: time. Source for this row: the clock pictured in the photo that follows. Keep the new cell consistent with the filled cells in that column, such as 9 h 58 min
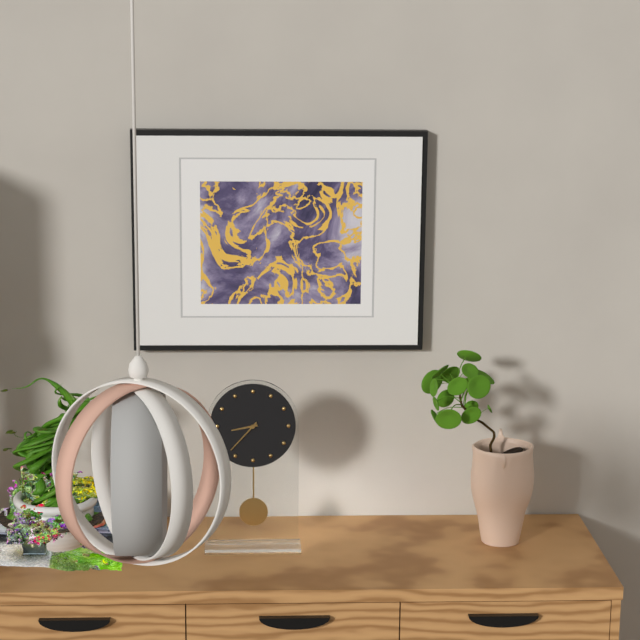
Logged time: 8 h 37 min
